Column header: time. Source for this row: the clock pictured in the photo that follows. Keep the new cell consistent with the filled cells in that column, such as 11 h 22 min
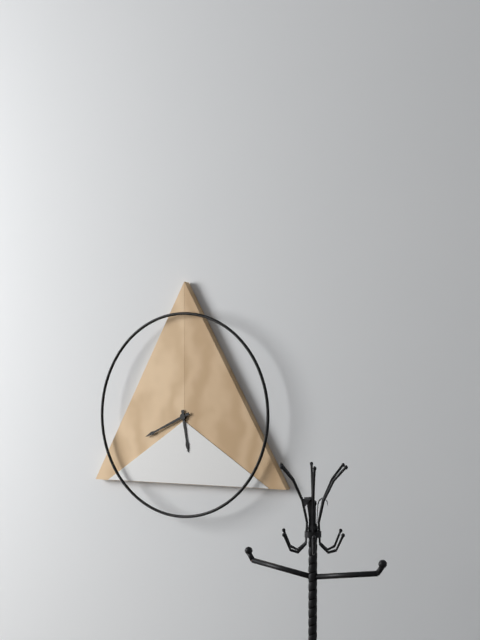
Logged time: 5 h 41 min
